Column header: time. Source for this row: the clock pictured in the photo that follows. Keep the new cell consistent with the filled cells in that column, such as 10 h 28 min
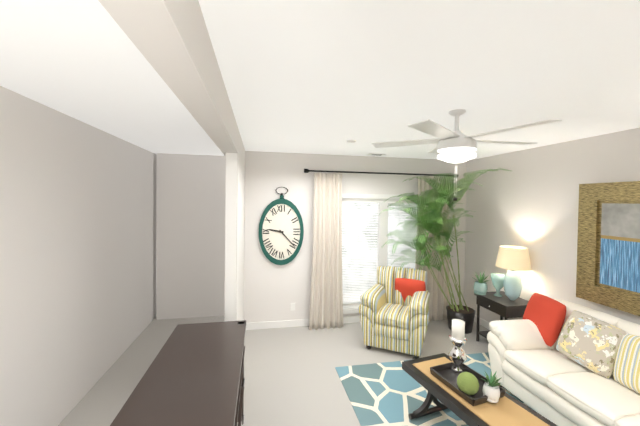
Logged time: 9 h 23 min
